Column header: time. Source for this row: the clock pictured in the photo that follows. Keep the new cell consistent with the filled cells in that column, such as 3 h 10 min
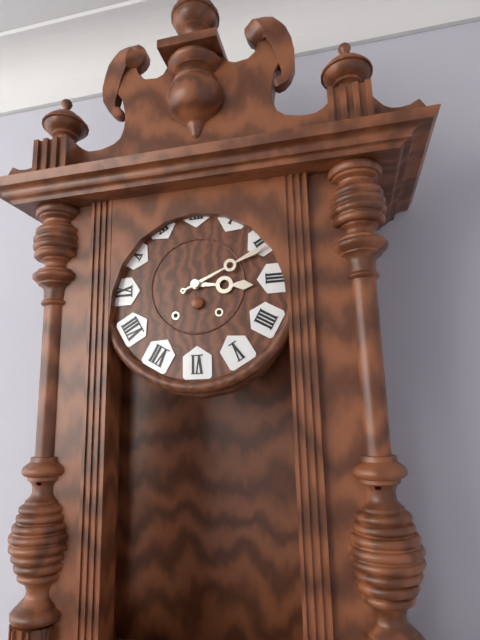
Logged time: 3 h 11 min
